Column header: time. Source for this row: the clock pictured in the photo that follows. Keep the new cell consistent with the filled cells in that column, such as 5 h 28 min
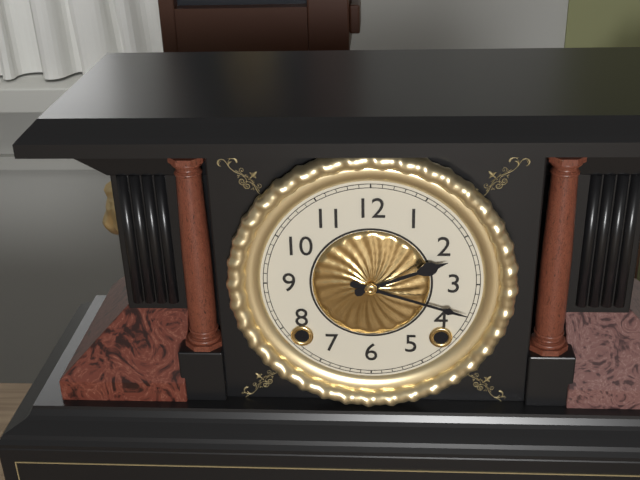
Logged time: 2 h 18 min
